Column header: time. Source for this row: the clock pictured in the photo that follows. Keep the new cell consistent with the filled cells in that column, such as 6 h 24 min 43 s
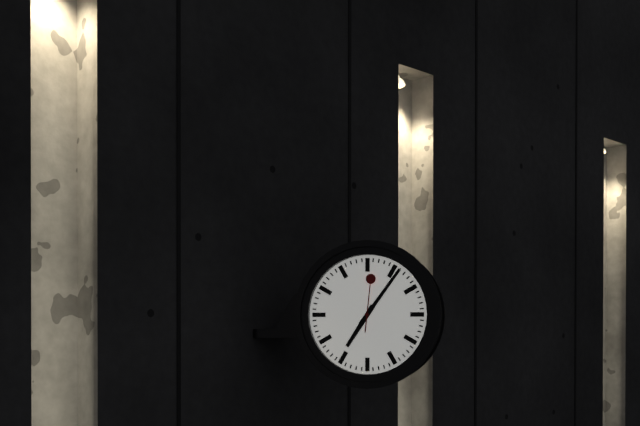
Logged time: 7 h 06 min 01 s
